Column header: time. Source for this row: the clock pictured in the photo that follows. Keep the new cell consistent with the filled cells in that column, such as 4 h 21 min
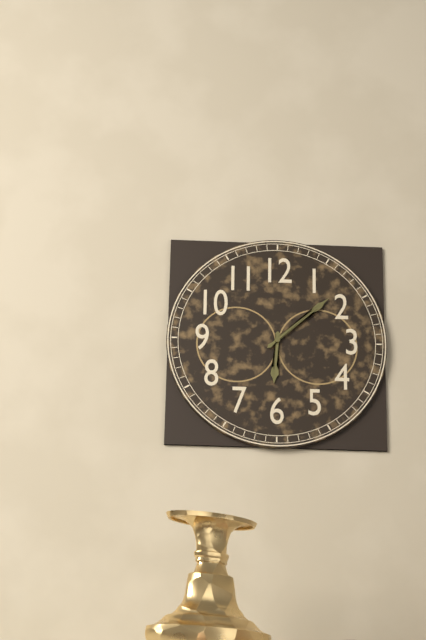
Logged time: 6 h 08 min
